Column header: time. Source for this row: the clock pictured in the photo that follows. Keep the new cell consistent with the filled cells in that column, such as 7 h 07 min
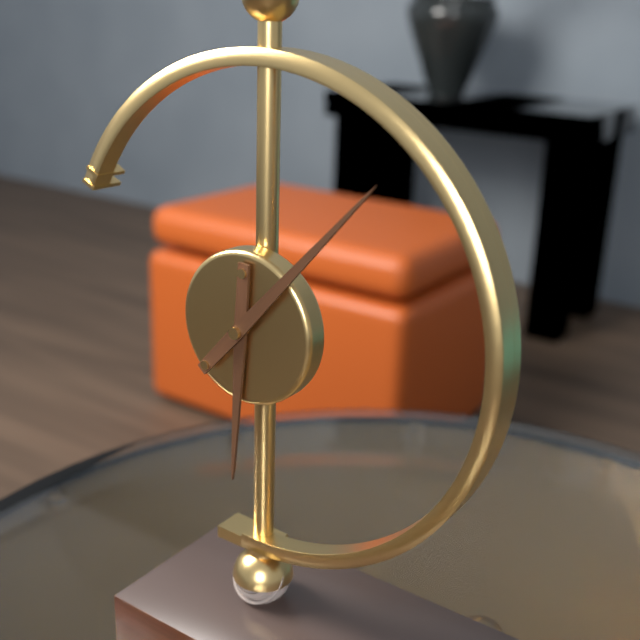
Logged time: 6 h 07 min
